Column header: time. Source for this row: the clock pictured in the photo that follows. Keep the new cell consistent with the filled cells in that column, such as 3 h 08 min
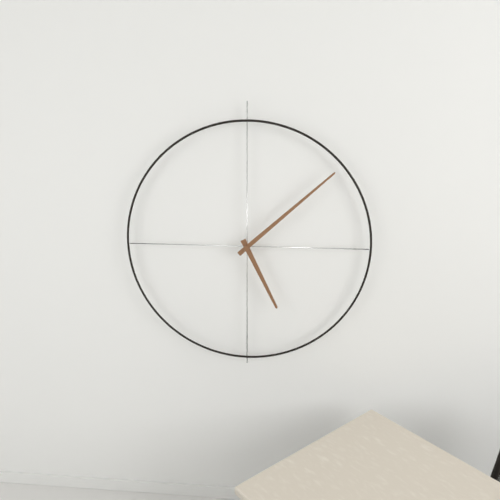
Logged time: 5 h 08 min
